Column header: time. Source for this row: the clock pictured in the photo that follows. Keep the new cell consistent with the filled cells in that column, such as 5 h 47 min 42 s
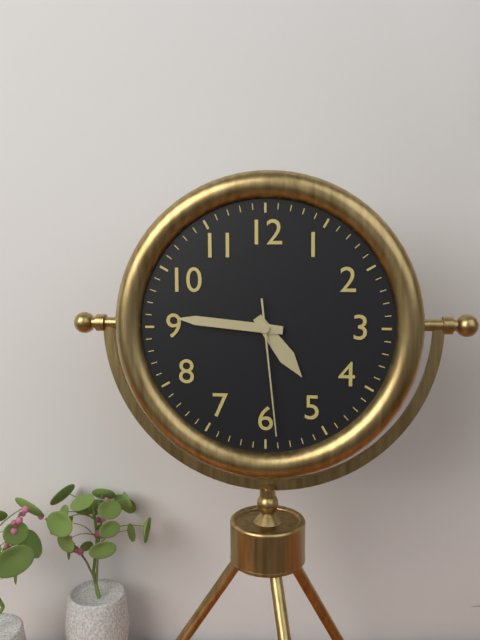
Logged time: 4 h 46 min 29 s
